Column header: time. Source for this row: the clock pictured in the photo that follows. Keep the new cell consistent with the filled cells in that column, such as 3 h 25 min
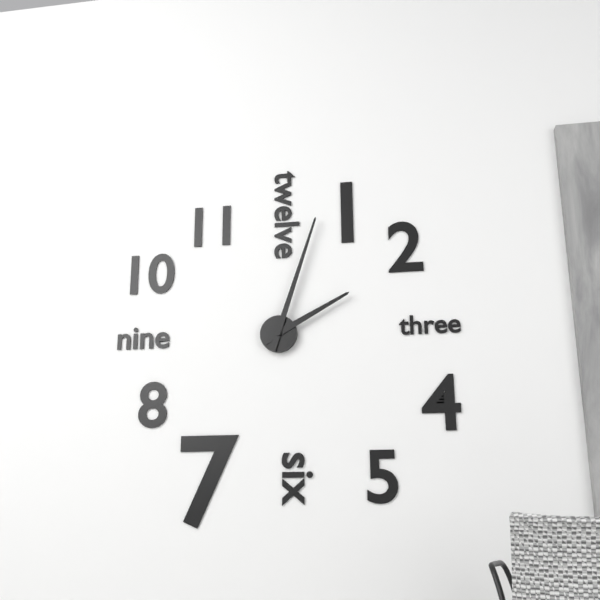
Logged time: 2 h 03 min
